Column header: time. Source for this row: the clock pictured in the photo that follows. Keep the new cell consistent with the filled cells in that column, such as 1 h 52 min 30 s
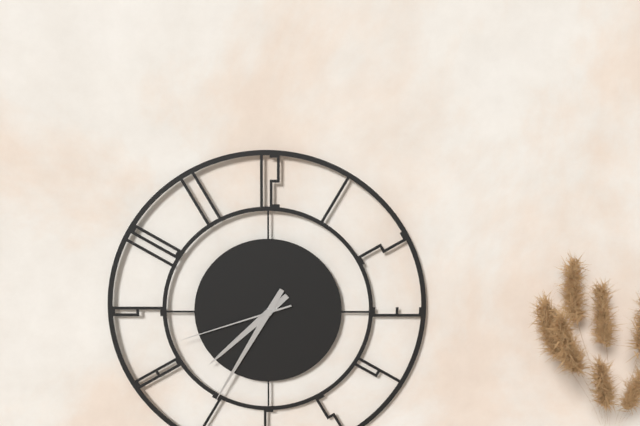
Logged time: 7 h 35 min 42 s
